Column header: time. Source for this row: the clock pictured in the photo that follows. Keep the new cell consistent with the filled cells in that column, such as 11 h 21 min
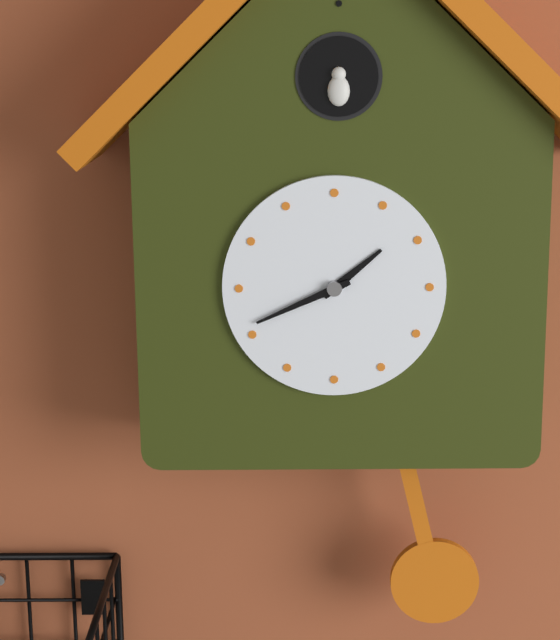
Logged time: 1 h 41 min
